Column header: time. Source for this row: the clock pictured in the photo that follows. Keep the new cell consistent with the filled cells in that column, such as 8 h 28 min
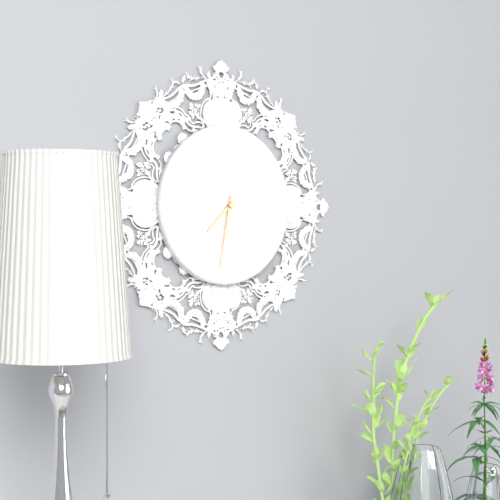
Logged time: 7 h 32 min
